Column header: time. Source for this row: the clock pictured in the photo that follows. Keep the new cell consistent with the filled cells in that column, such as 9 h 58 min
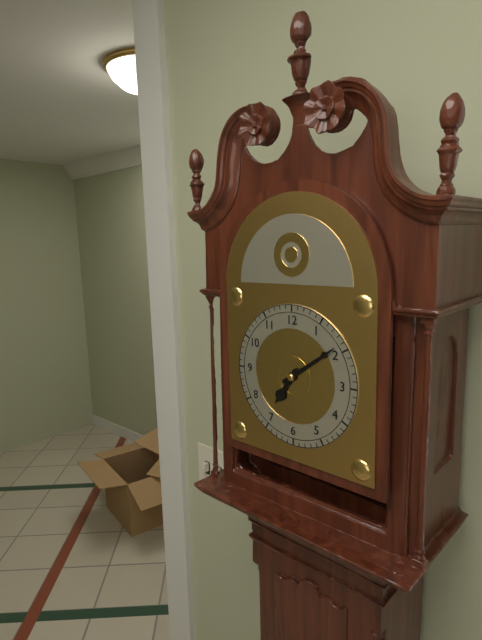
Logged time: 7 h 09 min
